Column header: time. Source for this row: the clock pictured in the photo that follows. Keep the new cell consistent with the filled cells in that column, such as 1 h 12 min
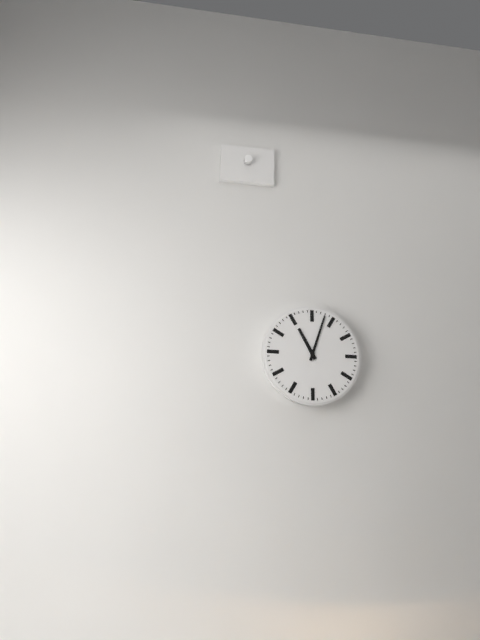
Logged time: 11 h 03 min
